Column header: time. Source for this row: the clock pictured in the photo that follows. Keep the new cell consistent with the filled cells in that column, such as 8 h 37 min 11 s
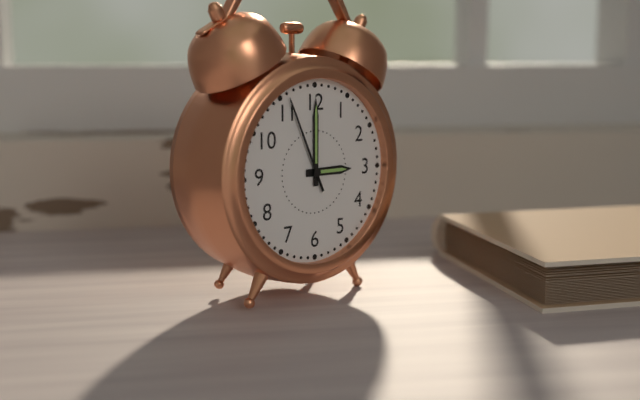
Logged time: 3 h 00 min 56 s
